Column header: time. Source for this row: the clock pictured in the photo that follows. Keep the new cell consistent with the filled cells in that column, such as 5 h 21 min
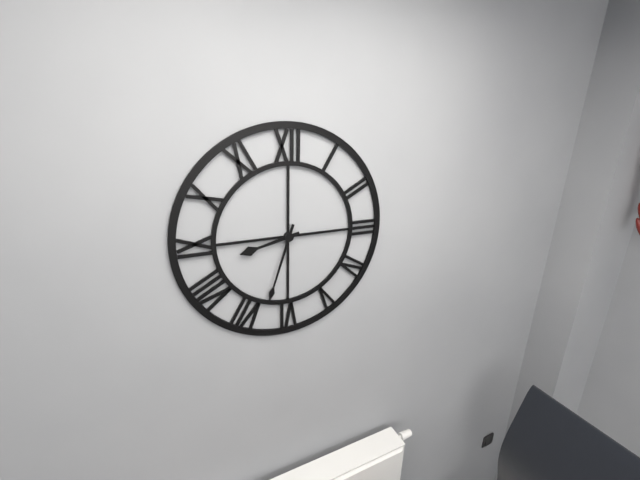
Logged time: 8 h 33 min
